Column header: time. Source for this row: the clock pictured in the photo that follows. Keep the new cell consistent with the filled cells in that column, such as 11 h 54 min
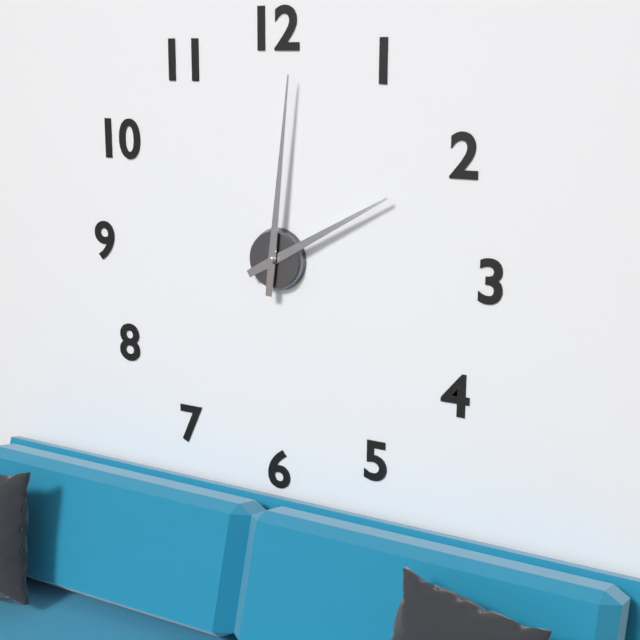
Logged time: 2 h 01 min
